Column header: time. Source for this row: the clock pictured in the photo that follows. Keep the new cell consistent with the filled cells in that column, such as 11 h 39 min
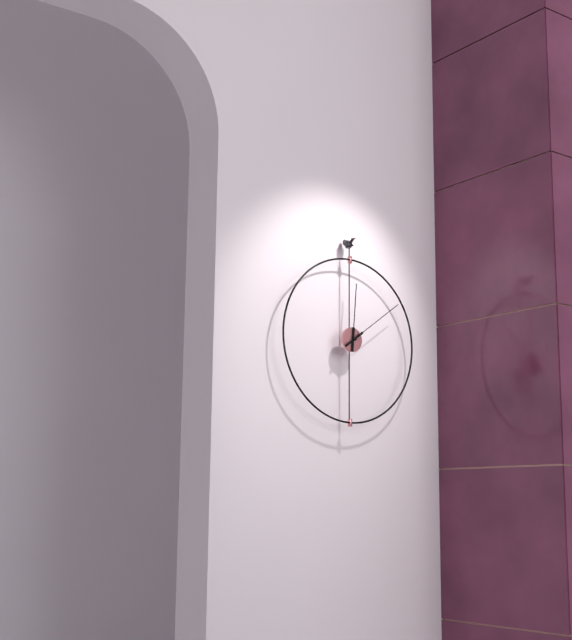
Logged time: 12 h 09 min
